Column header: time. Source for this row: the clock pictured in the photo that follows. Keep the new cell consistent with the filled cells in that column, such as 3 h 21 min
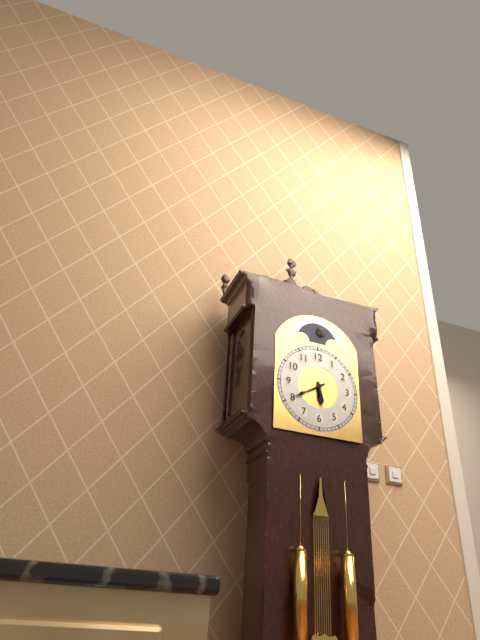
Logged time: 5 h 40 min
